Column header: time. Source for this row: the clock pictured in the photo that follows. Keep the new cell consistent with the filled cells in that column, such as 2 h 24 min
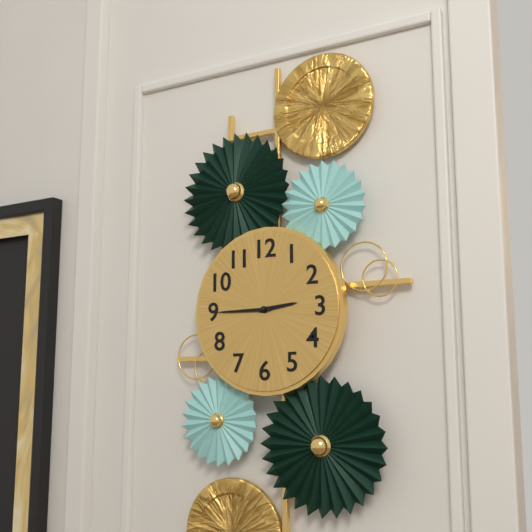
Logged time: 2 h 45 min
